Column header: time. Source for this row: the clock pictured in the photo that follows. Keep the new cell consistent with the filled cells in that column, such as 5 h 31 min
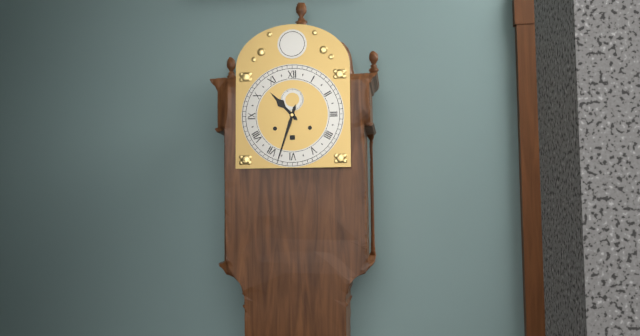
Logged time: 10 h 33 min
